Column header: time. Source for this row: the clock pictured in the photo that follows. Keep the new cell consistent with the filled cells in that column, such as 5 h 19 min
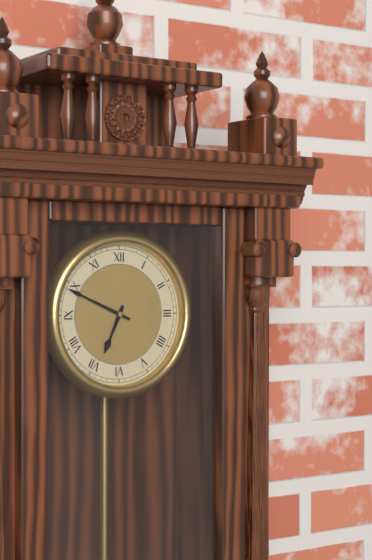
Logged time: 6 h 49 min
